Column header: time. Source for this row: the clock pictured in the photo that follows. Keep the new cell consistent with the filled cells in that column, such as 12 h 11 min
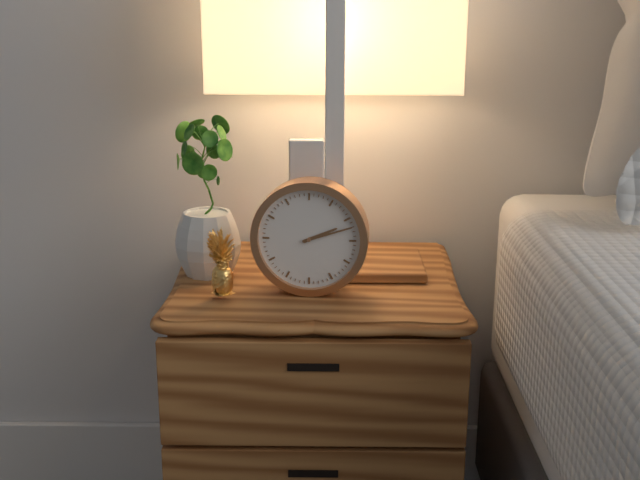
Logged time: 2 h 12 min
